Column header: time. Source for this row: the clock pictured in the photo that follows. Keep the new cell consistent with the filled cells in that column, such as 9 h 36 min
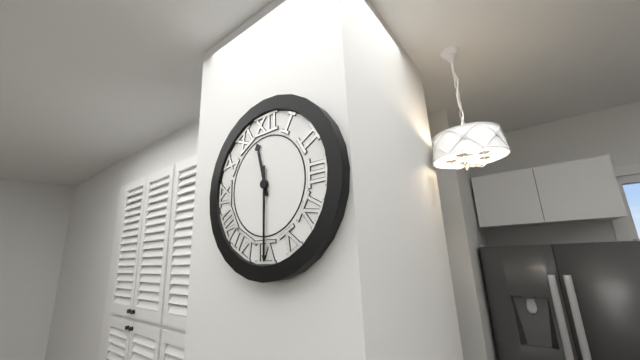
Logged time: 11 h 30 min
